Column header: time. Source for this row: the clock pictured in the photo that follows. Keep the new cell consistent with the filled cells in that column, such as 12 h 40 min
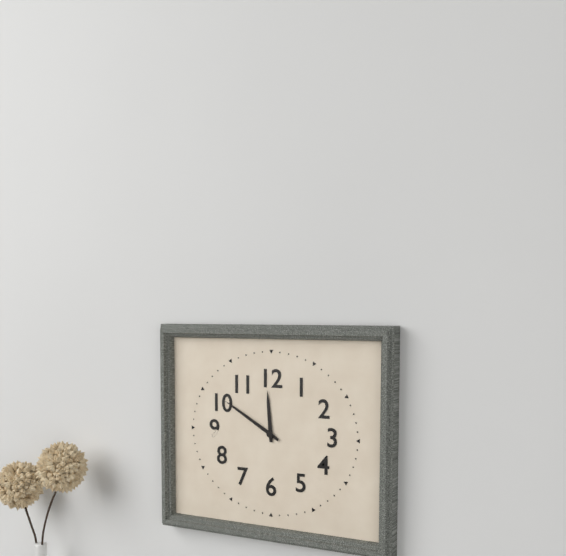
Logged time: 11 h 50 min
